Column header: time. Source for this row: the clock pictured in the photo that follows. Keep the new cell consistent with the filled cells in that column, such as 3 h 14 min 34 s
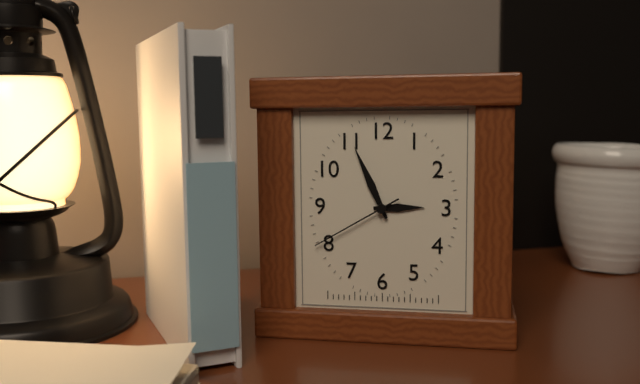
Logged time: 2 h 56 min 40 s
